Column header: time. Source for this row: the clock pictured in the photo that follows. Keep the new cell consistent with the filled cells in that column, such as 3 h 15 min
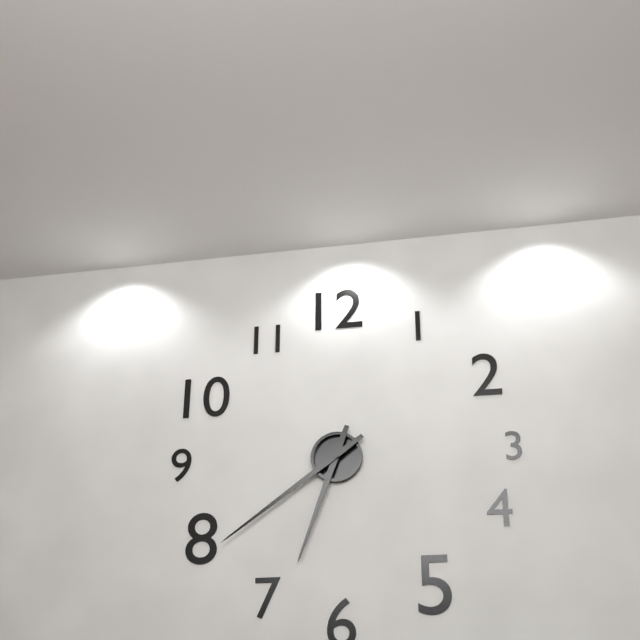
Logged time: 6 h 39 min
